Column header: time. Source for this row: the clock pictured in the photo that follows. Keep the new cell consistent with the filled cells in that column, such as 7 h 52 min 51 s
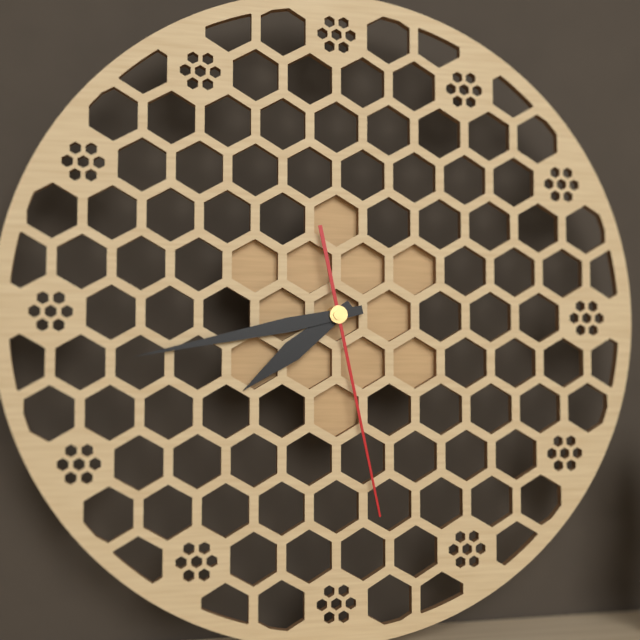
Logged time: 7 h 43 min 28 s
